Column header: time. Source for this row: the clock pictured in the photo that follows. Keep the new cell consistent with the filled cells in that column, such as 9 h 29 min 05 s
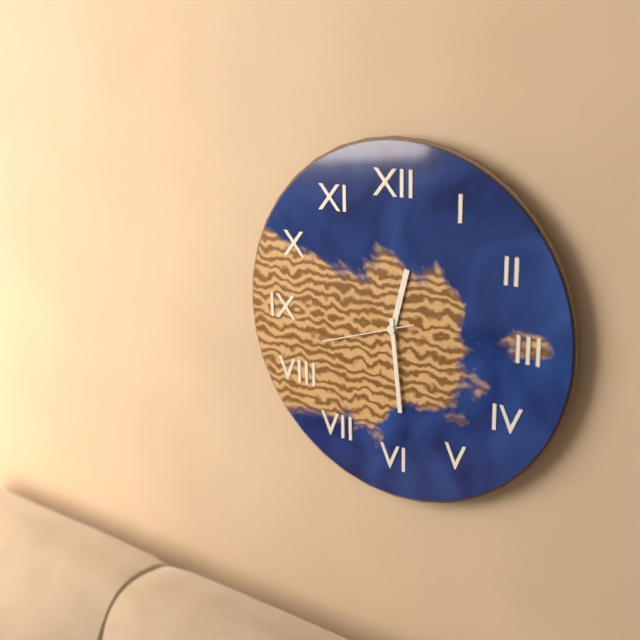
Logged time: 12 h 29 min 42 s
